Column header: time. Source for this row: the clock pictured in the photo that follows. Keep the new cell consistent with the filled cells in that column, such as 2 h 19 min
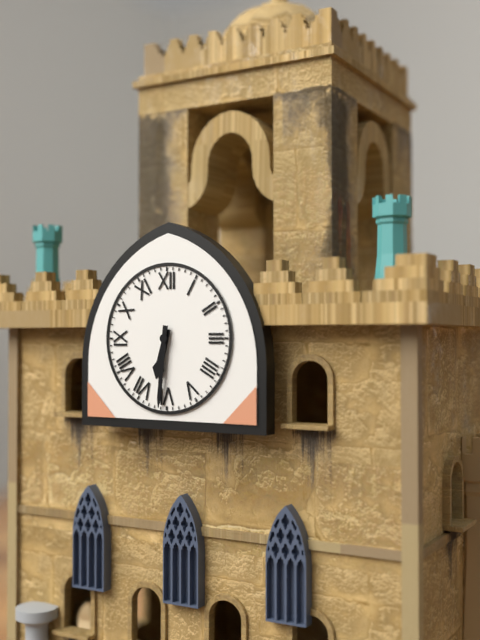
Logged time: 6 h 31 min
